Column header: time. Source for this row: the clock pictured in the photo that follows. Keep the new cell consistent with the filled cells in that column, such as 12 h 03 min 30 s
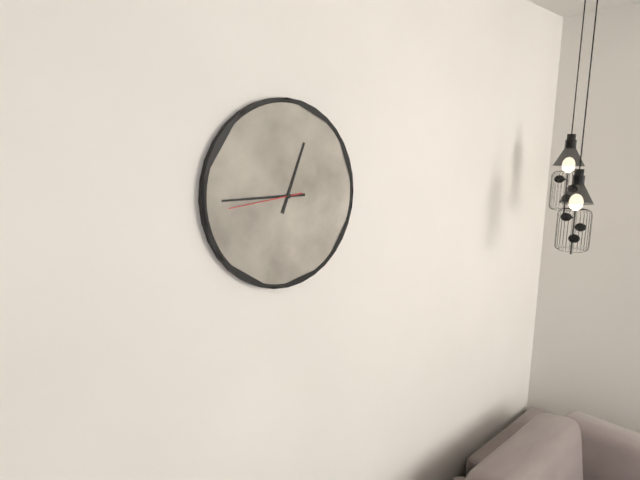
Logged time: 12 h 45 min 44 s
